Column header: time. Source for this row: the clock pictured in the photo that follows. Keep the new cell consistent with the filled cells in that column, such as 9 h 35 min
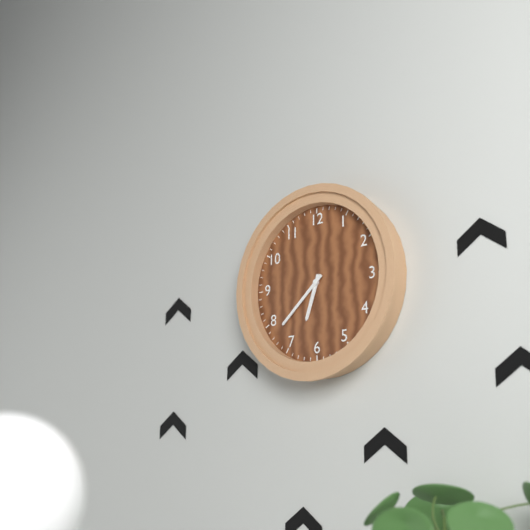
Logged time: 6 h 38 min
